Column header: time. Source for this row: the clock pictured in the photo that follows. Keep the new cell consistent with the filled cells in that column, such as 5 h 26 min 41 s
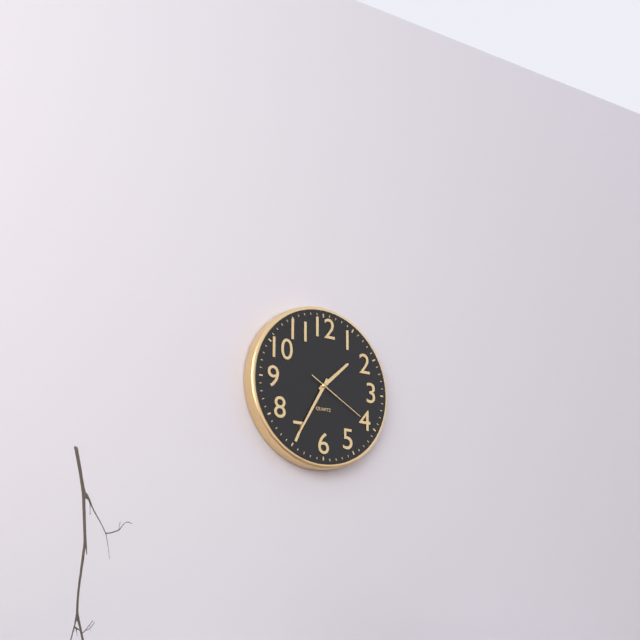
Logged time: 1 h 35 min 20 s
